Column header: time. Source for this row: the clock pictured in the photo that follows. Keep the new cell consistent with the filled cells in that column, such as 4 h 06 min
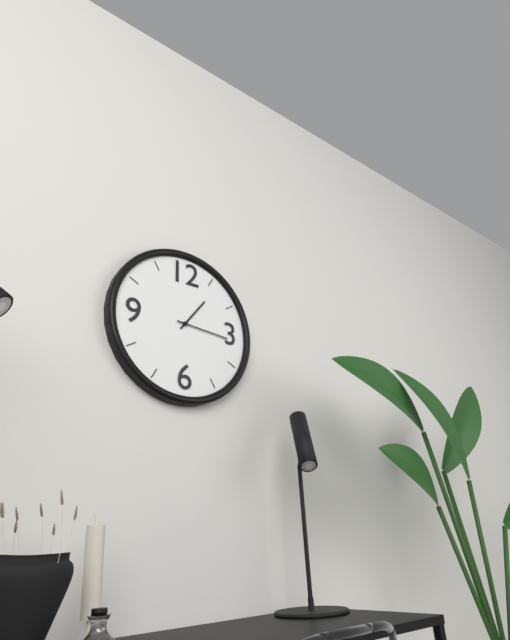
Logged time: 1 h 16 min
